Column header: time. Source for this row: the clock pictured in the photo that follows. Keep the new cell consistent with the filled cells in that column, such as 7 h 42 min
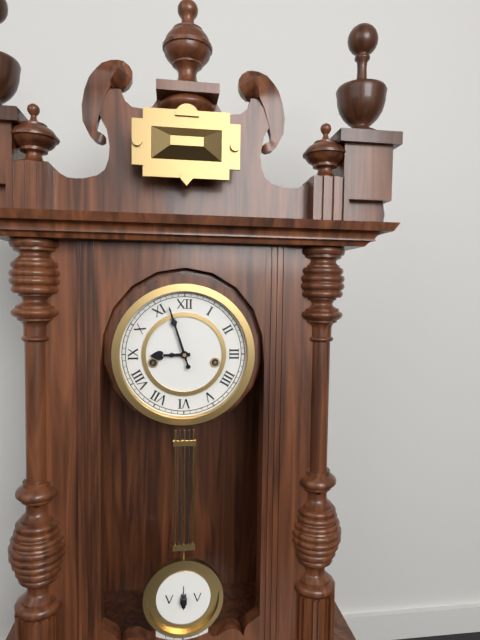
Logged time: 8 h 57 min
